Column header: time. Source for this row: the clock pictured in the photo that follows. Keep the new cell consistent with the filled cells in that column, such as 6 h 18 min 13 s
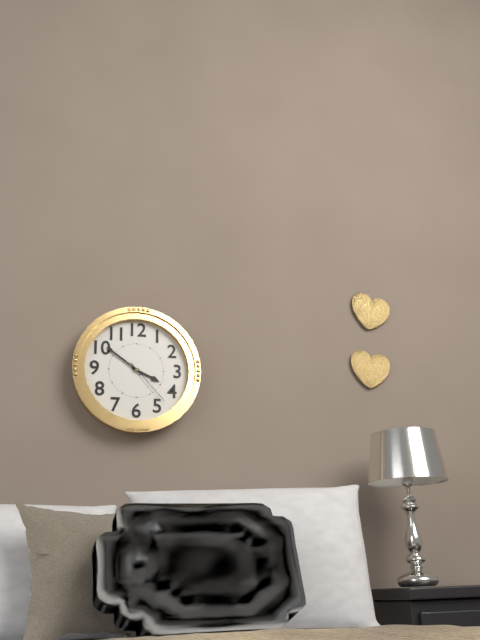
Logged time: 3 h 51 min 23 s
